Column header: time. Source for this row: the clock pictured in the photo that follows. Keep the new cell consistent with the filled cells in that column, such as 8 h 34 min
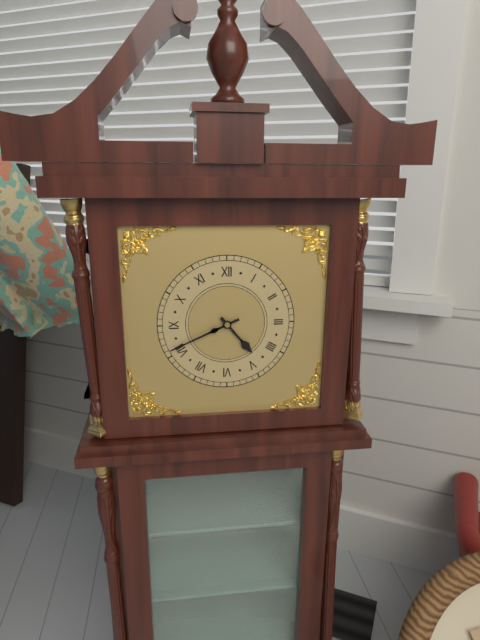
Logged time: 4 h 41 min
